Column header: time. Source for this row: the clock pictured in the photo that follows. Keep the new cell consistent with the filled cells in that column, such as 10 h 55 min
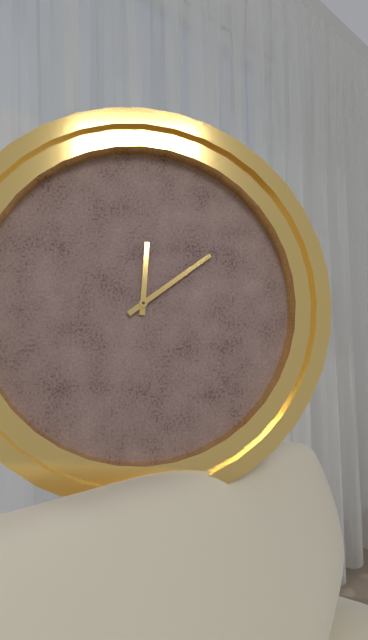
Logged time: 12 h 09 min
